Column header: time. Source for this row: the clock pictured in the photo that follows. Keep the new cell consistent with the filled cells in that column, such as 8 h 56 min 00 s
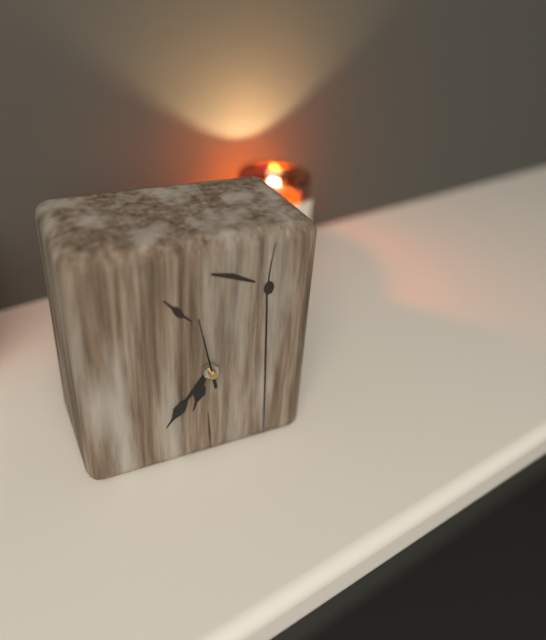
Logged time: 6 h 36 min 58 s
